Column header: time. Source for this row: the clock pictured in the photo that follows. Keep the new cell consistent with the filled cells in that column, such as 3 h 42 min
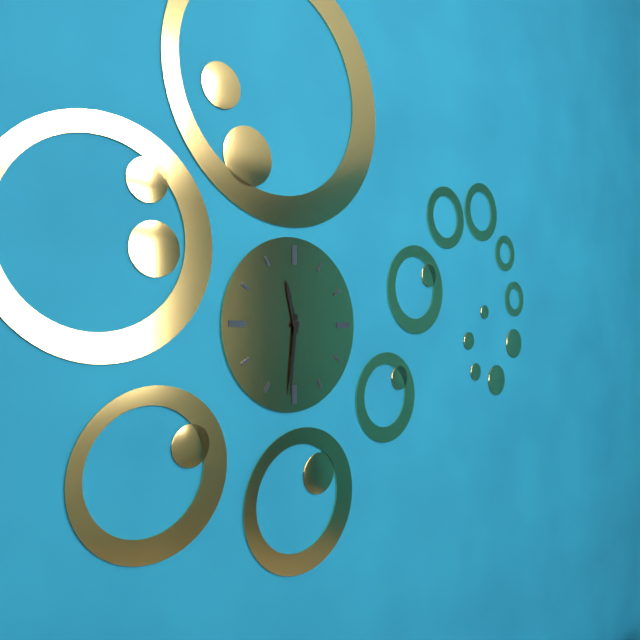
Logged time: 11 h 31 min
